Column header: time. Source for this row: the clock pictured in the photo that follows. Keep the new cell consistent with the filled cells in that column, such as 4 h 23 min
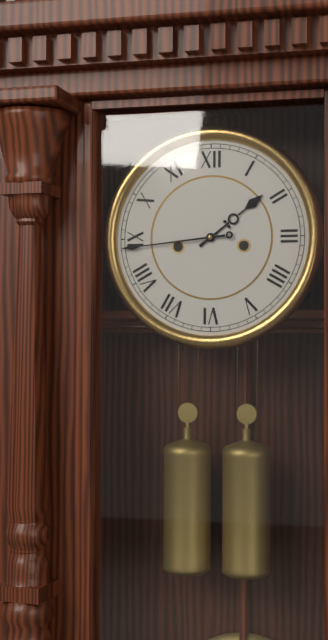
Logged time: 1 h 44 min
